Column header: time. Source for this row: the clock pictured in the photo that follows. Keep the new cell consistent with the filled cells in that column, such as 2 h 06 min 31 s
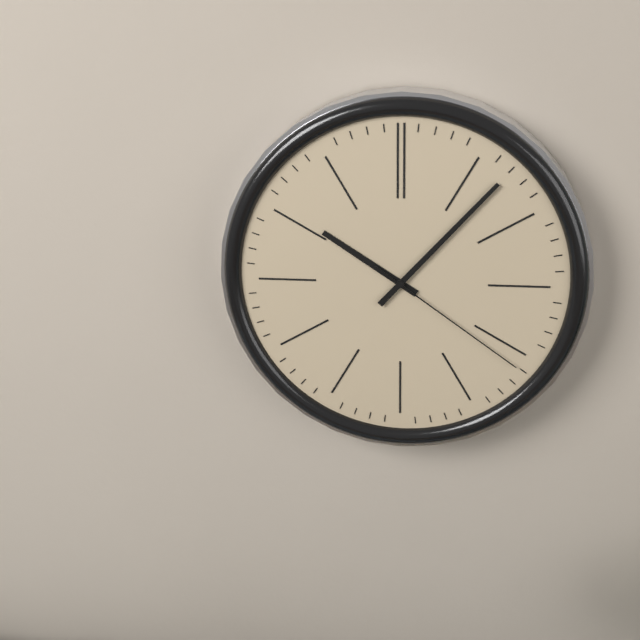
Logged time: 10 h 07 min 21 s
